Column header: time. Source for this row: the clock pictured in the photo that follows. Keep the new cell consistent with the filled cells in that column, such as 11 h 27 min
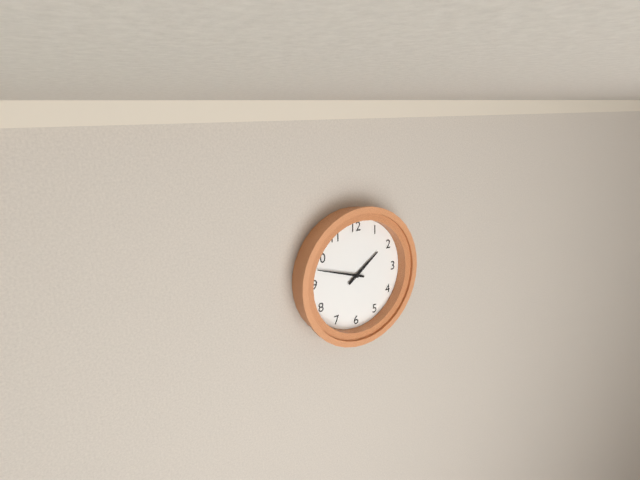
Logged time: 1 h 48 min
